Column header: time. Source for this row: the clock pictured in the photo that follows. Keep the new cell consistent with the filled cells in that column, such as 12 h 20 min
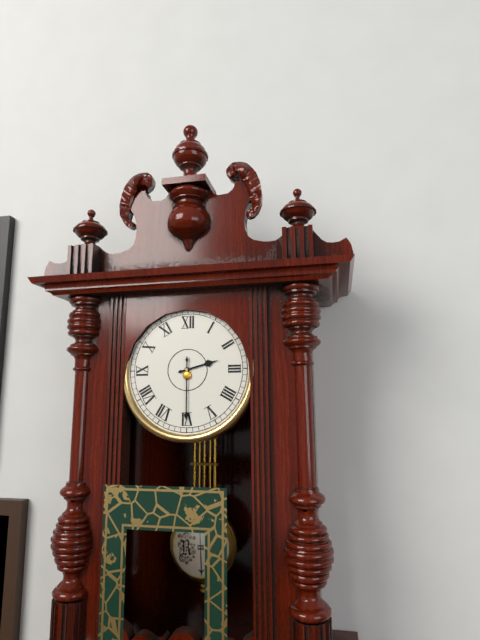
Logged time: 2 h 30 min
